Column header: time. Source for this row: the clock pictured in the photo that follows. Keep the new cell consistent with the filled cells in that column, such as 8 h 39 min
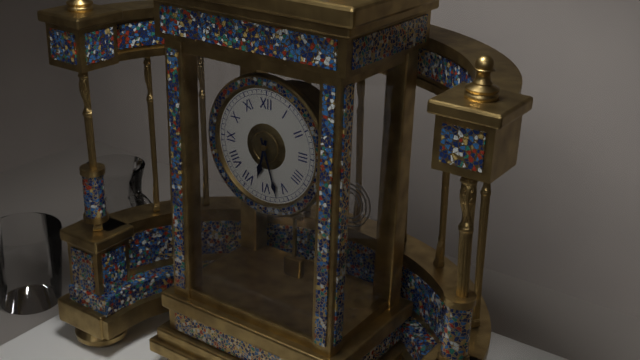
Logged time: 6 h 27 min
